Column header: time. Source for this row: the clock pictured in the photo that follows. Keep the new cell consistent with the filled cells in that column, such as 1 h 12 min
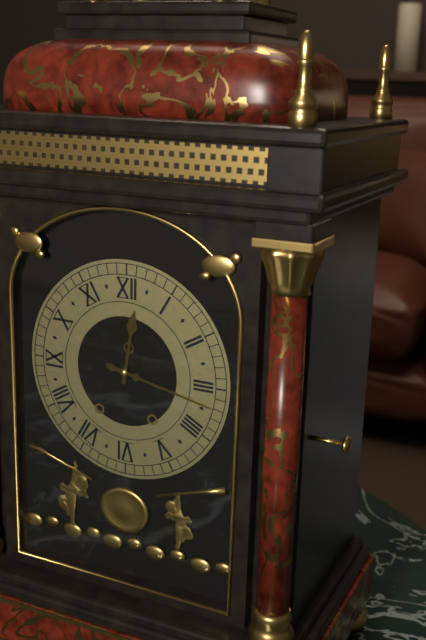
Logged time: 12 h 17 min
